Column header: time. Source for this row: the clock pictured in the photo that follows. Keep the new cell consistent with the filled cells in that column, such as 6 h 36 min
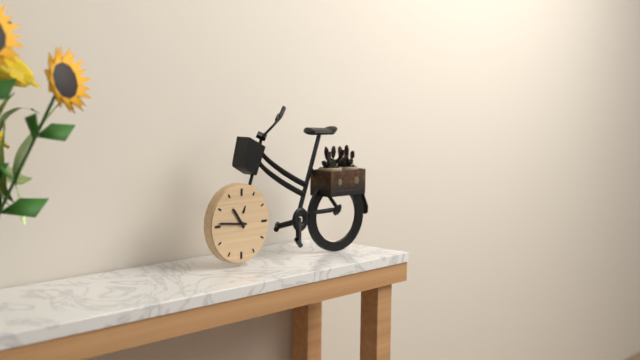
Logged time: 10 h 46 min
